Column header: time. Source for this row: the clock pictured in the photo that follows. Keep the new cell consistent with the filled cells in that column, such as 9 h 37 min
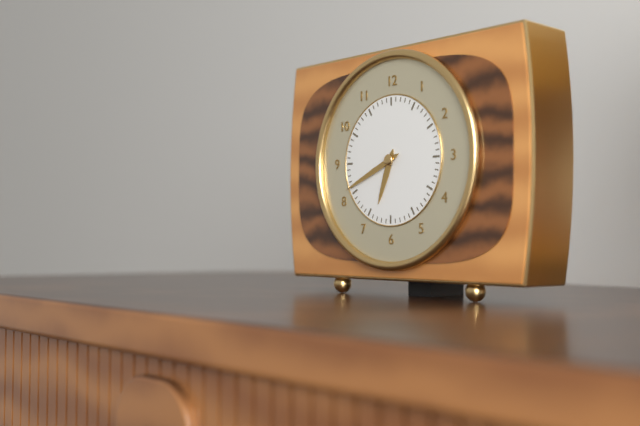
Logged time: 6 h 41 min
